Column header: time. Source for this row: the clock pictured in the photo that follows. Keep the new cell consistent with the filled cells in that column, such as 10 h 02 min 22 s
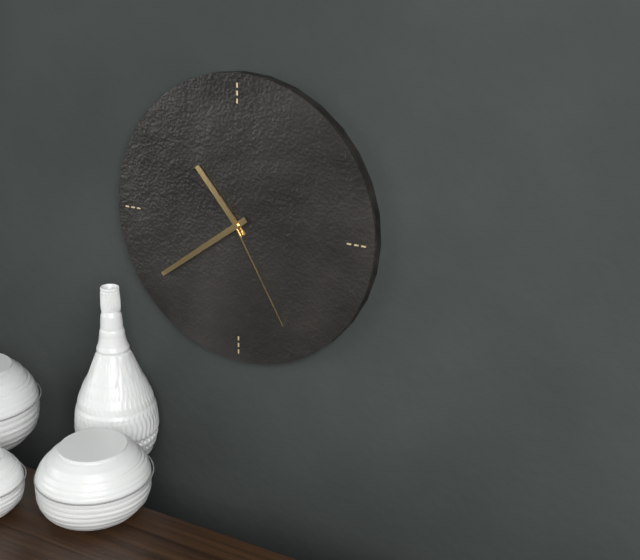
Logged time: 10 h 39 min 25 s
